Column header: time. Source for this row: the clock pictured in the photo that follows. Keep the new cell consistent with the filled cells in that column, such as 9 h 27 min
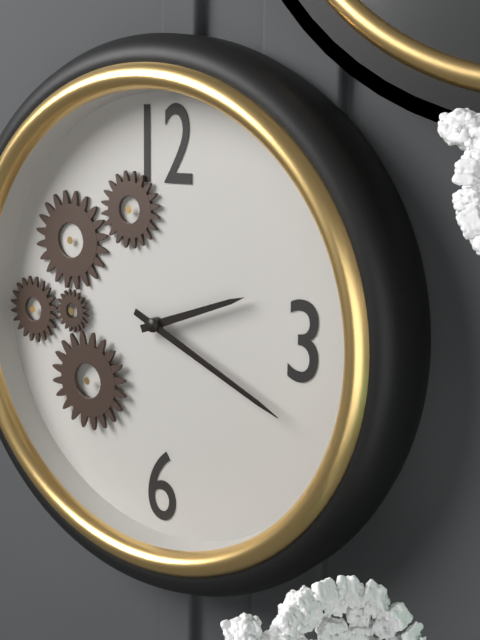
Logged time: 2 h 19 min
